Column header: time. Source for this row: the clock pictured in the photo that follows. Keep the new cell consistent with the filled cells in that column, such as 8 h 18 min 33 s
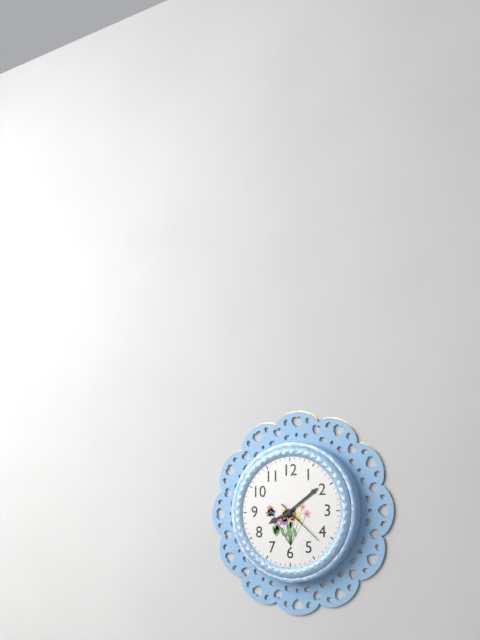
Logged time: 8 h 09 min 22 s
